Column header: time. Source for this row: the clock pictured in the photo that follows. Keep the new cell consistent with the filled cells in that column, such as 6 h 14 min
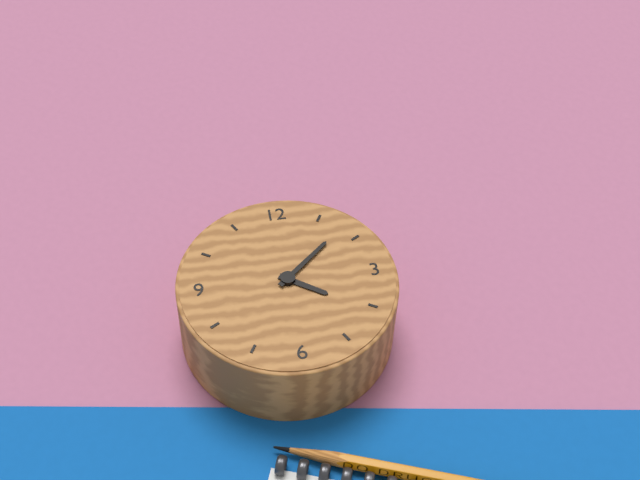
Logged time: 4 h 08 min
